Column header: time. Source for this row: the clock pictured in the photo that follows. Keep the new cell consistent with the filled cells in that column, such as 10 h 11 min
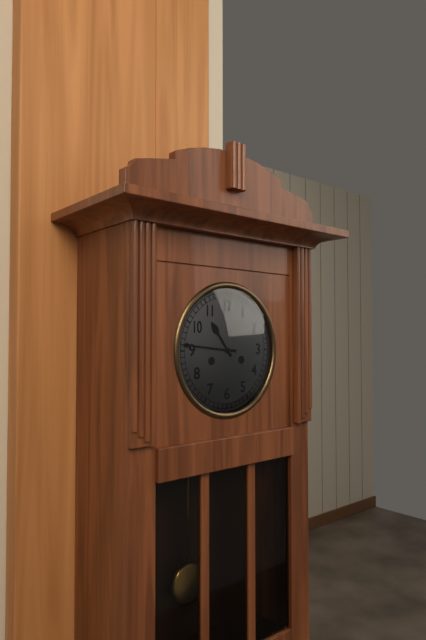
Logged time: 10 h 46 min
